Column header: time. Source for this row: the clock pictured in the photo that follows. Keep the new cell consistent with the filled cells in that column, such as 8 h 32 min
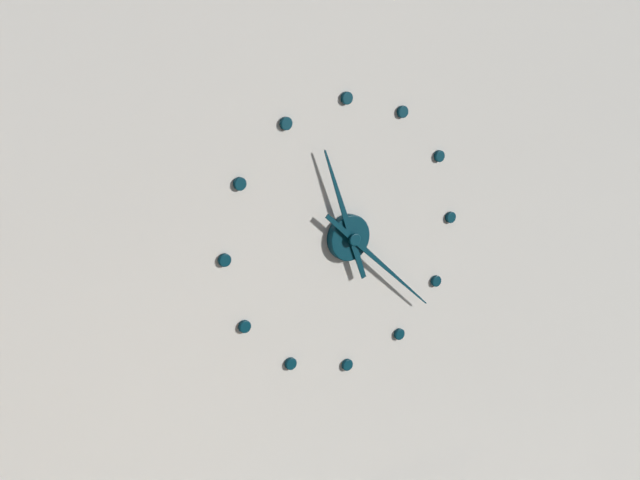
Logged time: 11 h 22 min
